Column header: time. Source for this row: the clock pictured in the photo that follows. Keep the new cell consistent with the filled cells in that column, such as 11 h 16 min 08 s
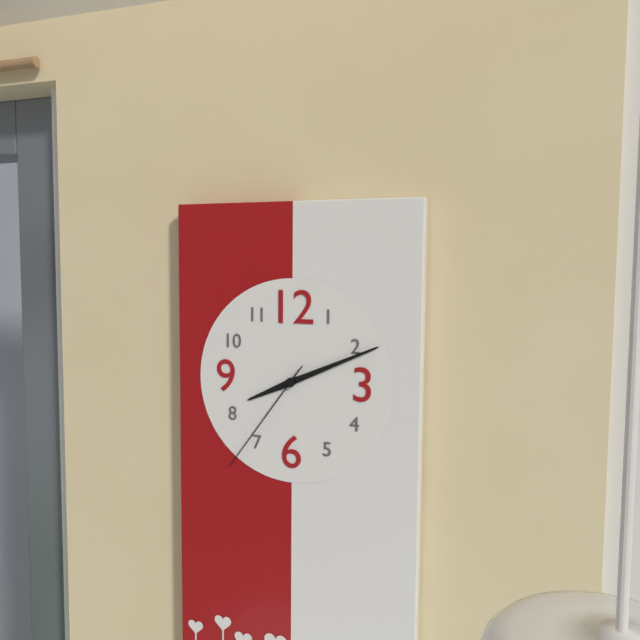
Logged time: 8 h 11 min 36 s
